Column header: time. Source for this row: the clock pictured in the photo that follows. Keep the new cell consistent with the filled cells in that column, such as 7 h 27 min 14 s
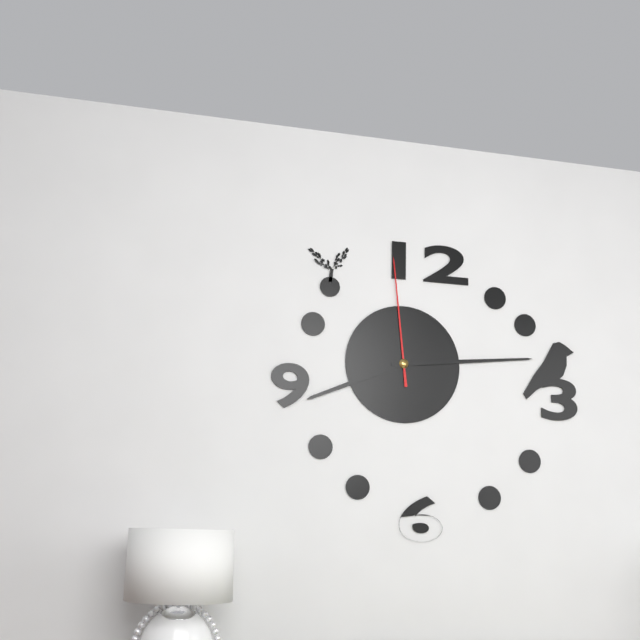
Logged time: 8 h 14 min 59 s
